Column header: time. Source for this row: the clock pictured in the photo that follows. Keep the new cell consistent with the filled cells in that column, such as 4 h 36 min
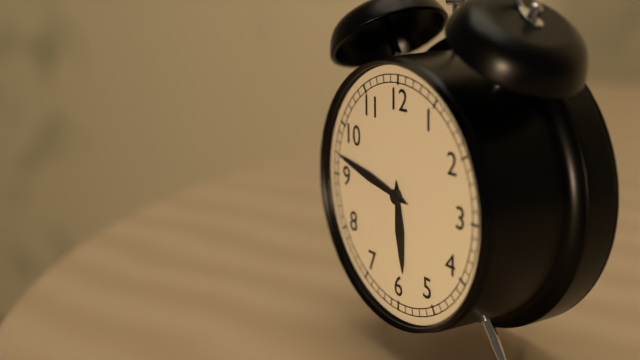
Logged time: 5 h 47 min
